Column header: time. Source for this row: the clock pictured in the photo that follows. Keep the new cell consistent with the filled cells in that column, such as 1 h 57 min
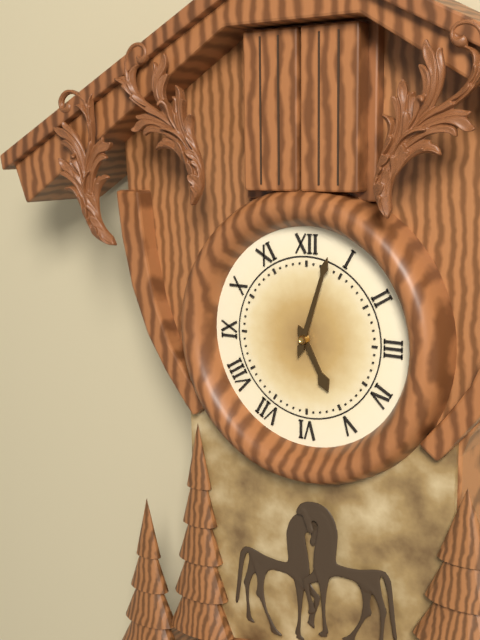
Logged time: 5 h 03 min
